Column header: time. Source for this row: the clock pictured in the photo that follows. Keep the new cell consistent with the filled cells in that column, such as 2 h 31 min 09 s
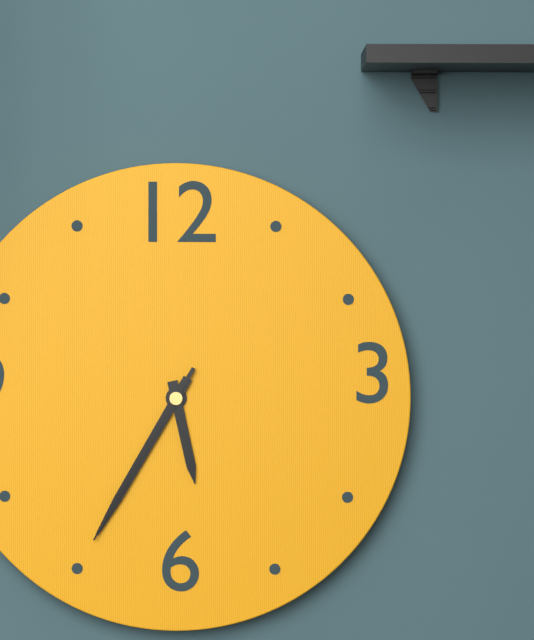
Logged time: 5 h 35 min 35 s
